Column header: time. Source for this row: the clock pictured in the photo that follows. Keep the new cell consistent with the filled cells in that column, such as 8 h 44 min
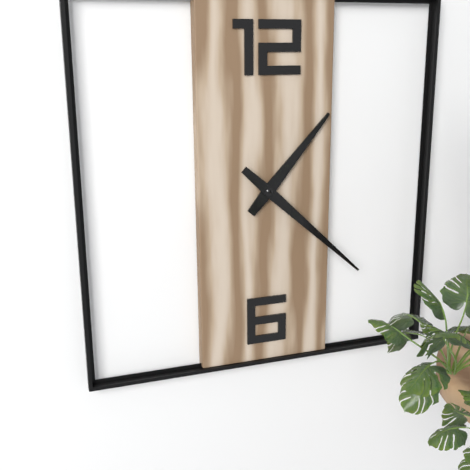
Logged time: 1 h 22 min
